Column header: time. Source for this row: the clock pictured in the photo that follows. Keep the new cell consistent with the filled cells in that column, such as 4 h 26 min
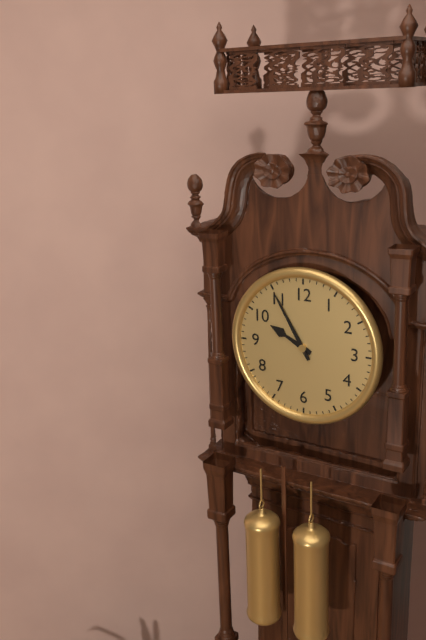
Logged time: 9 h 55 min
